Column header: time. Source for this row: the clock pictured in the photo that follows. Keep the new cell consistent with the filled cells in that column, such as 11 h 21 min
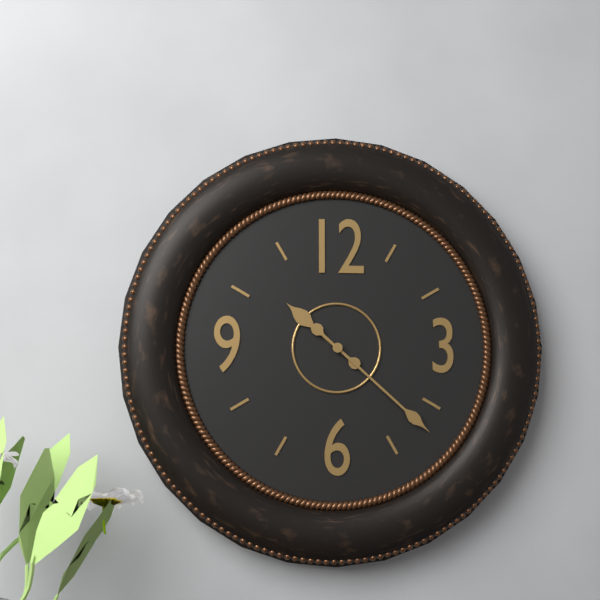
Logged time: 10 h 22 min
